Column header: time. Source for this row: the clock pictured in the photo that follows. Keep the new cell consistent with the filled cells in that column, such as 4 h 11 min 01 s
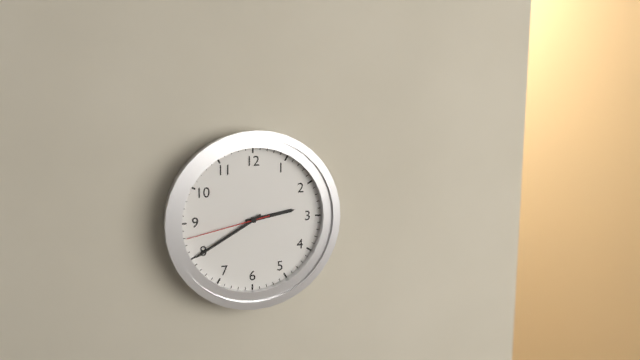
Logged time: 2 h 40 min 43 s
